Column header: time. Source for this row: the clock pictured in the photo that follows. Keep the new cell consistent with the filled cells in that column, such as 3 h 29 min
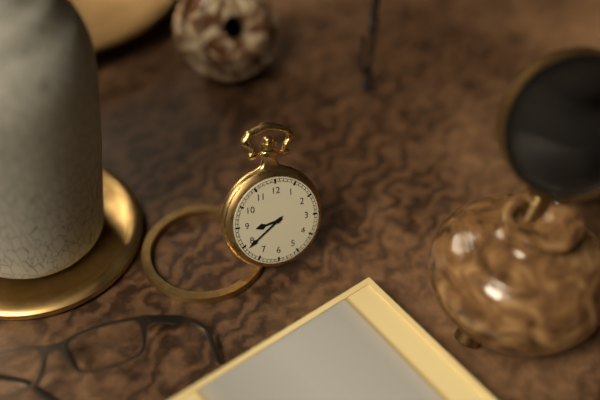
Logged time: 8 h 39 min
